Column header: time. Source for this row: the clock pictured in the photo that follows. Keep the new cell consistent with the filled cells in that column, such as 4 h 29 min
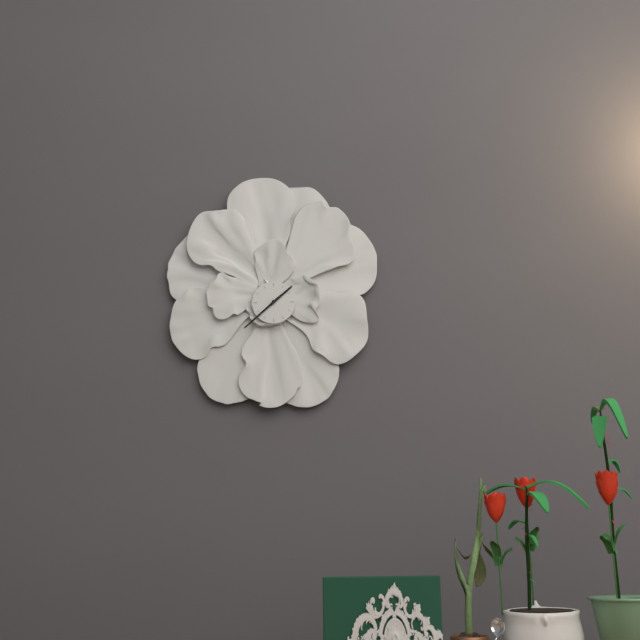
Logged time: 1 h 38 min
